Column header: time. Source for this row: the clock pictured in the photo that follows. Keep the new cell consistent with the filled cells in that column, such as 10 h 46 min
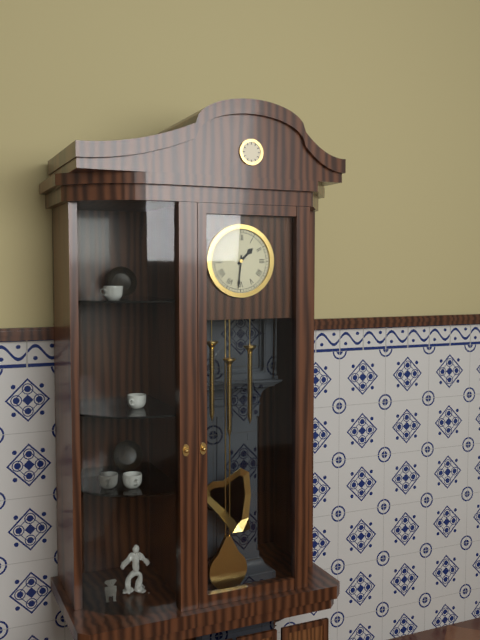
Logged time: 1 h 31 min
